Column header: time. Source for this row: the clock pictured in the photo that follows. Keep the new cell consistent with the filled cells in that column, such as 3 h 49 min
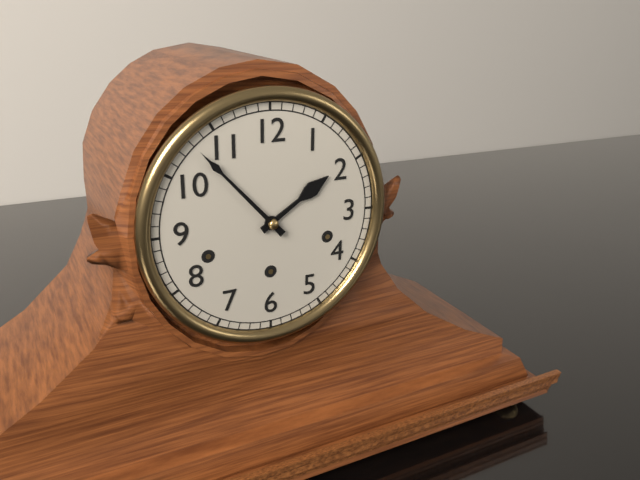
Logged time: 1 h 53 min
